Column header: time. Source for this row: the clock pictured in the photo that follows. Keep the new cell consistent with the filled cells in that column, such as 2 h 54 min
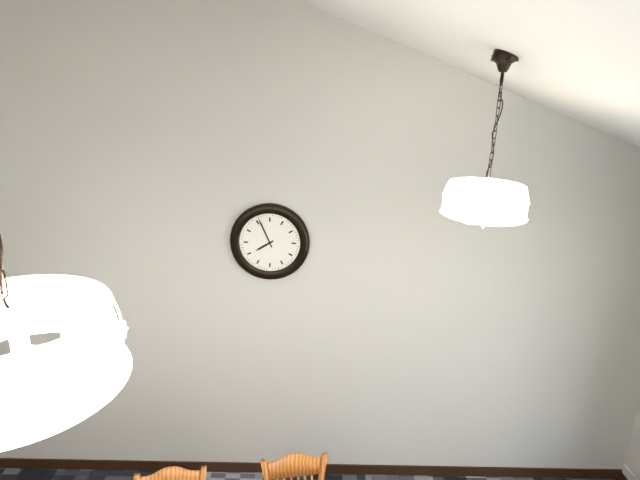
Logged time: 7 h 56 min
